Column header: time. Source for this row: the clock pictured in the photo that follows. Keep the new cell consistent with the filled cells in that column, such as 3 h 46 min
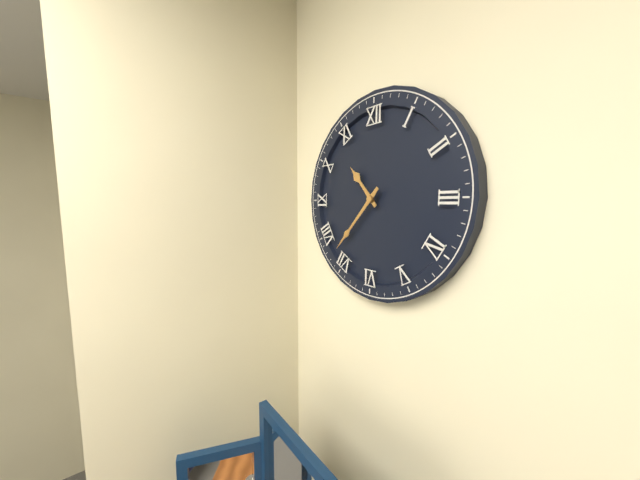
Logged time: 10 h 37 min
